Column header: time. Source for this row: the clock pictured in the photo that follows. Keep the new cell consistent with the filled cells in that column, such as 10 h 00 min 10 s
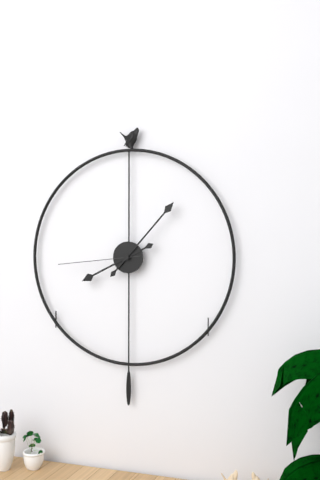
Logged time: 8 h 07 min 44 s
